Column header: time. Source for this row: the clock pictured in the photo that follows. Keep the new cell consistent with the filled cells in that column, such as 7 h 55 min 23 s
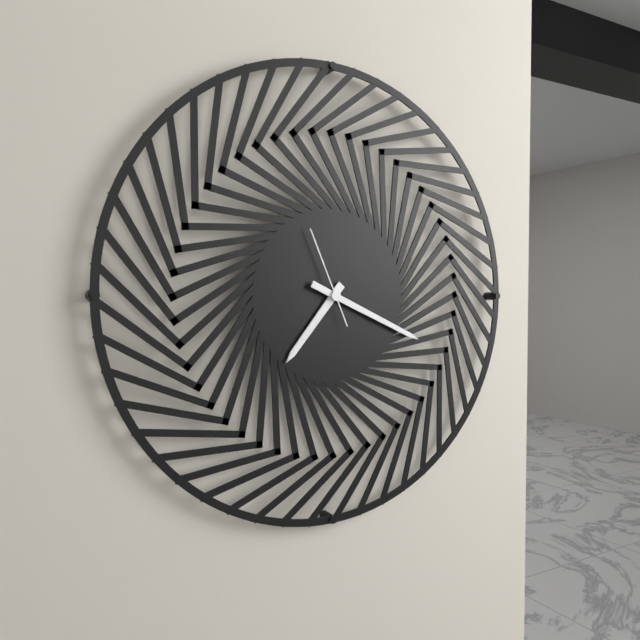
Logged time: 7 h 19 min 56 s
